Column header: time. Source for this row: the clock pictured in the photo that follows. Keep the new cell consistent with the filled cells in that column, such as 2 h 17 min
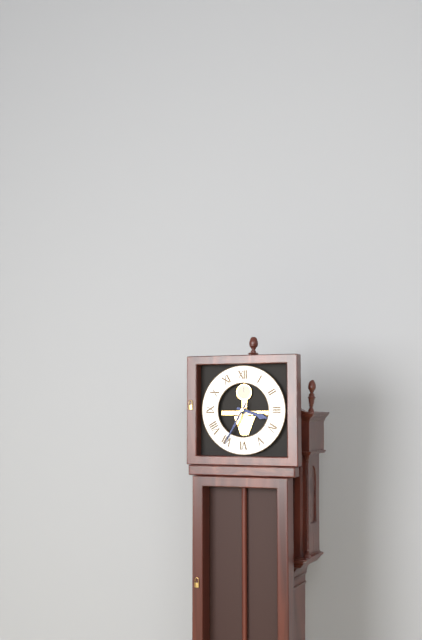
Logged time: 3 h 35 min
